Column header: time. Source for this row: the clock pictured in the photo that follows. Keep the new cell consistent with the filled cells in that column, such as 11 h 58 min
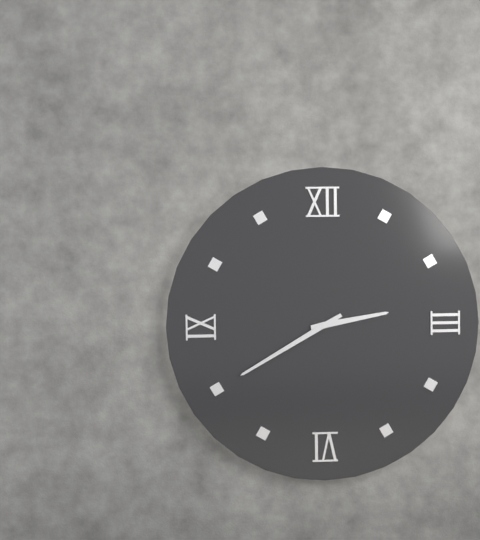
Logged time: 2 h 40 min
